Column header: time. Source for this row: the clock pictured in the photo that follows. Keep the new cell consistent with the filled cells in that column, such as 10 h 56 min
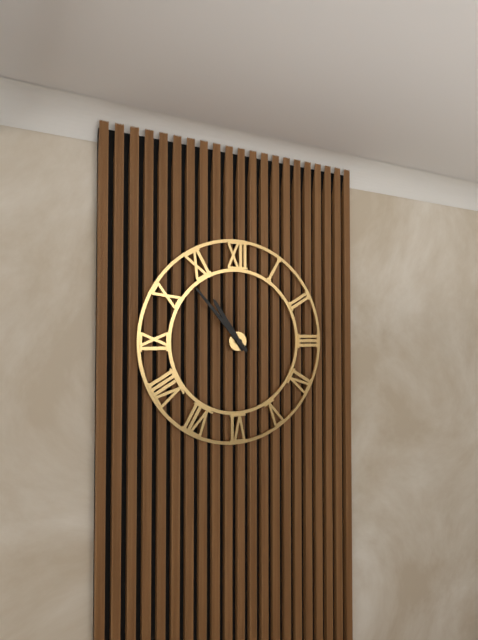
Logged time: 10 h 53 min
